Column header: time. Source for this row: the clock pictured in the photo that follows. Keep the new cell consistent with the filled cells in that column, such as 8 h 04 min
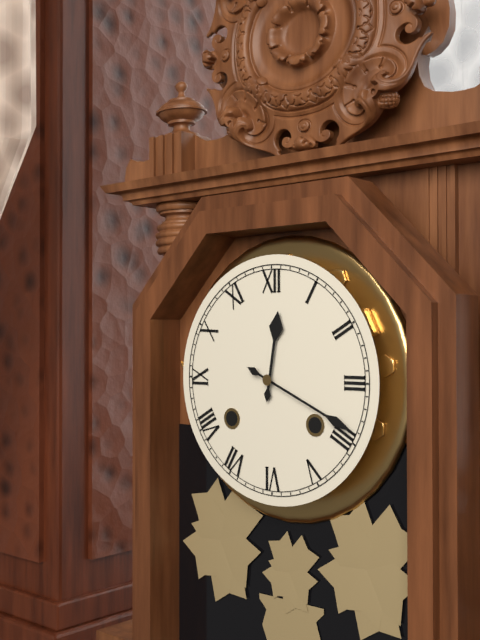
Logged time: 12 h 19 min
